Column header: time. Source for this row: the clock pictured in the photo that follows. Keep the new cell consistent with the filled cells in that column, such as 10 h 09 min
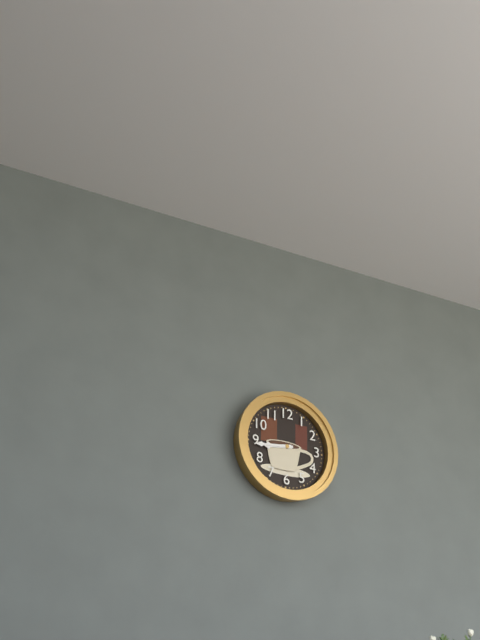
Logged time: 8 h 44 min
